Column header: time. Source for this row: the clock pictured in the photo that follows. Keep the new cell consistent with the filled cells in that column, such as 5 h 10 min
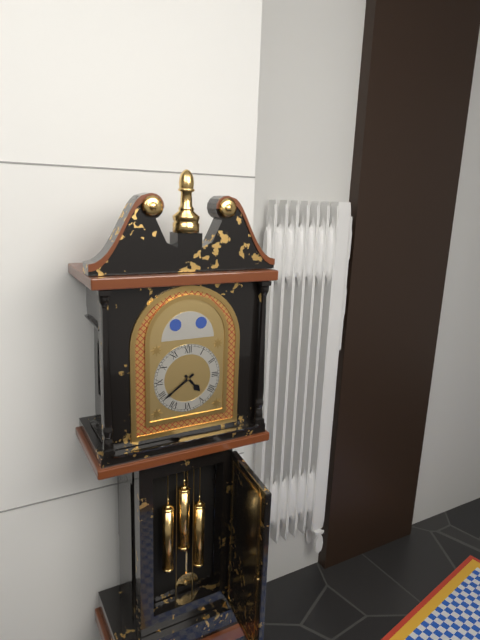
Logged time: 4 h 39 min
